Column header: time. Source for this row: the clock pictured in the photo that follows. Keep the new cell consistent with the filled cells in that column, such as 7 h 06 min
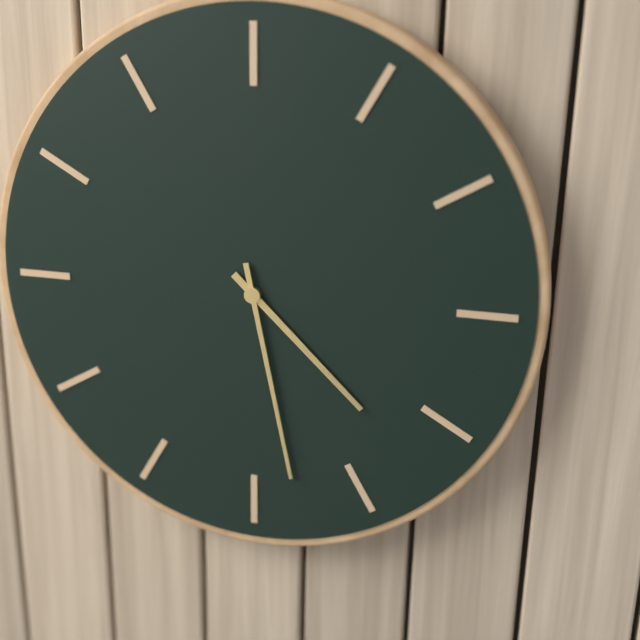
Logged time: 4 h 28 min
